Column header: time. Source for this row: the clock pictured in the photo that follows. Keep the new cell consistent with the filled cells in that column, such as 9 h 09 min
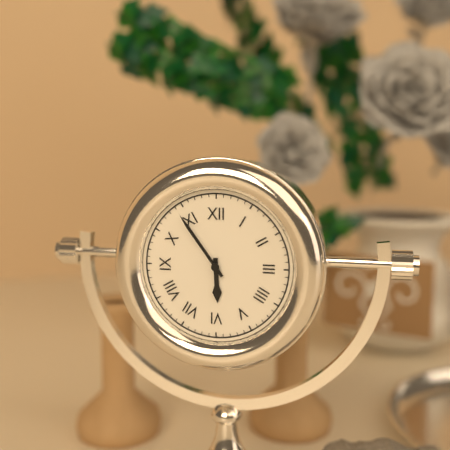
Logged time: 5 h 54 min
